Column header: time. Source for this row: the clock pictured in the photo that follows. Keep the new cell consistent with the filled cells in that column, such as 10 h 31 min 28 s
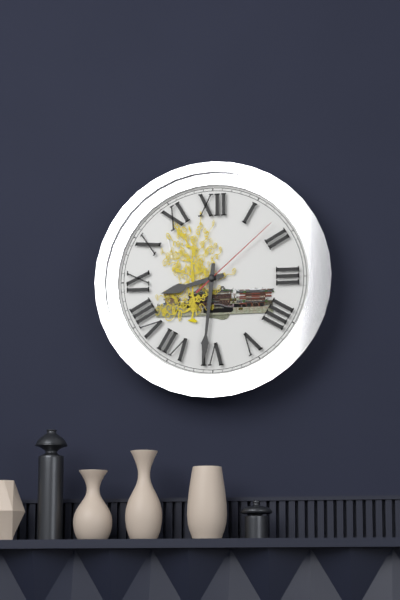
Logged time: 8 h 31 min 08 s
